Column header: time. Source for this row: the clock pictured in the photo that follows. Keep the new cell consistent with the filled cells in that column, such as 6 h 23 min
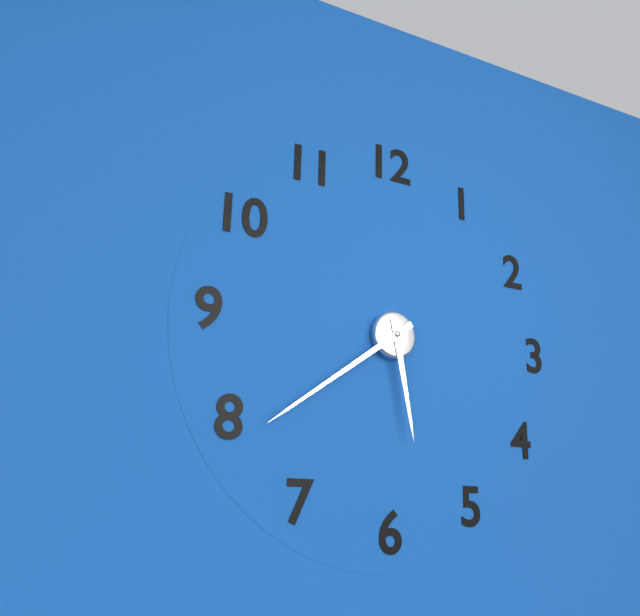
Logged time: 5 h 39 min
